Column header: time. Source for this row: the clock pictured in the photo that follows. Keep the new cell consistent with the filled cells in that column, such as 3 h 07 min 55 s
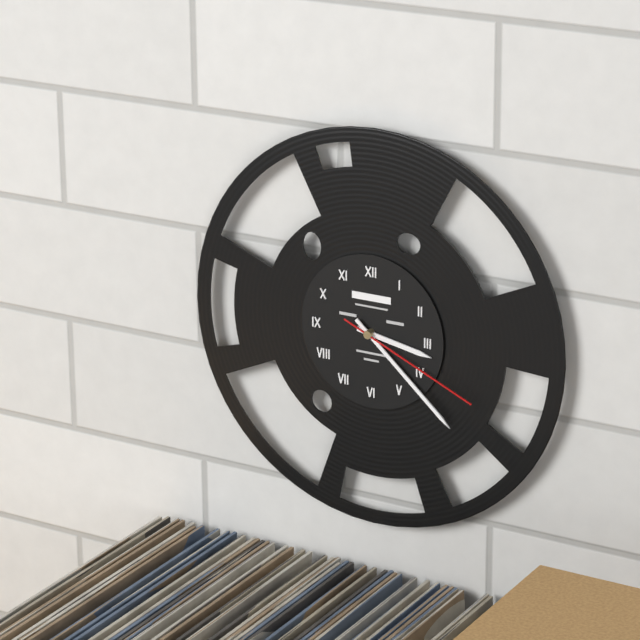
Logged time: 3 h 22 min 19 s
